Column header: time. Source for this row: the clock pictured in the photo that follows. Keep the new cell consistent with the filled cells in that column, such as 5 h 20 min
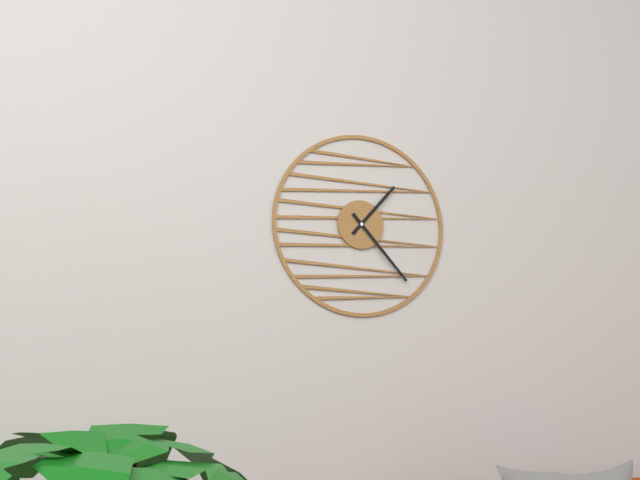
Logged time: 1 h 23 min
